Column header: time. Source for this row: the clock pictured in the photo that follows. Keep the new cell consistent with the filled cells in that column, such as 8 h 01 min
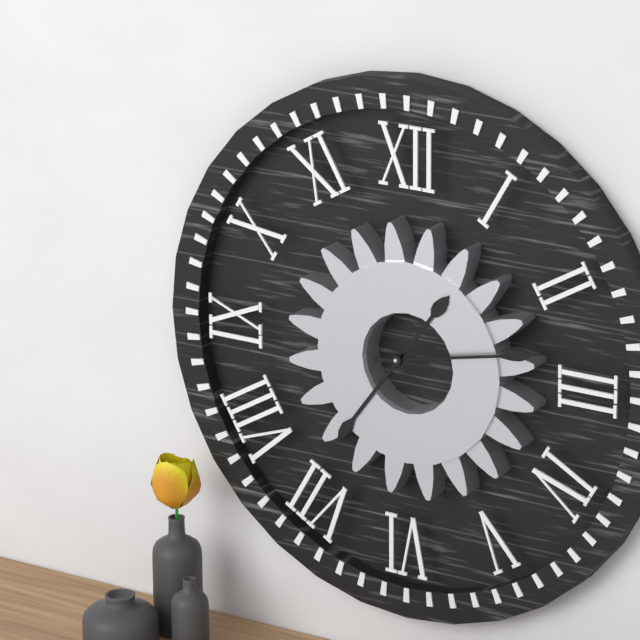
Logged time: 7 h 13 min
